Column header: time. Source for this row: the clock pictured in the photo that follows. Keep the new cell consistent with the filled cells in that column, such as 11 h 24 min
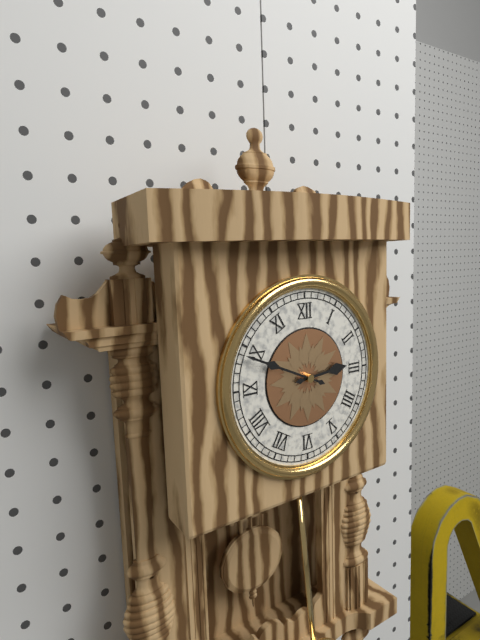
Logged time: 2 h 49 min
